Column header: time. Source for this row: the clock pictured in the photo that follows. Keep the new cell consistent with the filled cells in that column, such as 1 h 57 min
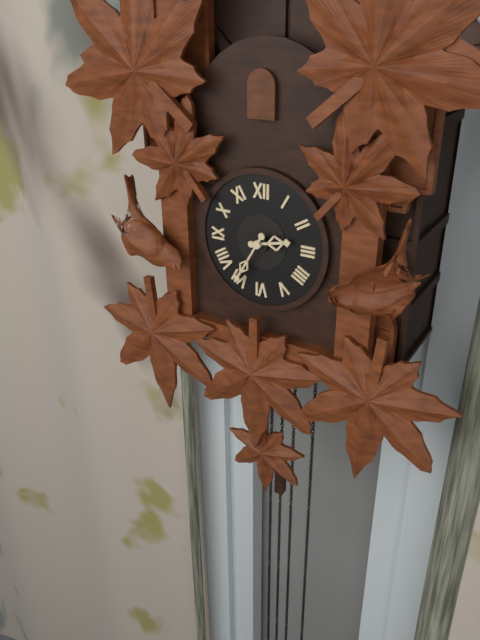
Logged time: 2 h 35 min
